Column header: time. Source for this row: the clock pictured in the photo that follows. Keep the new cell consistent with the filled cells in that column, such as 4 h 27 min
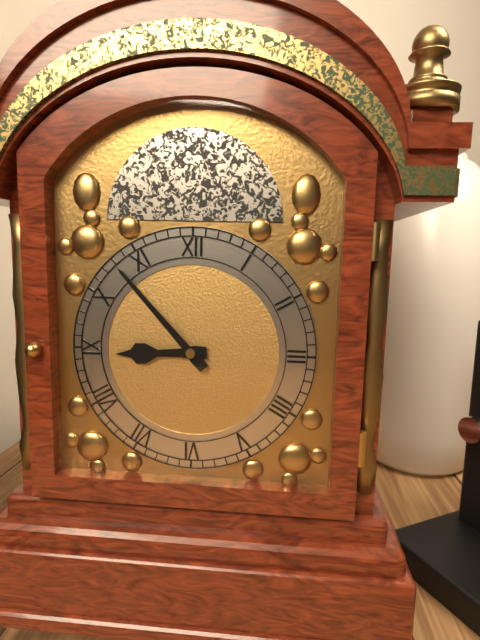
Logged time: 8 h 53 min
